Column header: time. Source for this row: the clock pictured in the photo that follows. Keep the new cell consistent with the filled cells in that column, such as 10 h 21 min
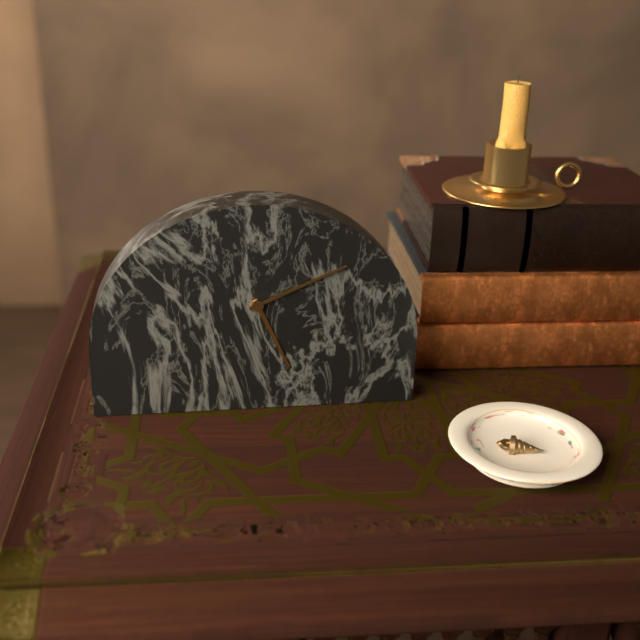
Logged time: 5 h 11 min
